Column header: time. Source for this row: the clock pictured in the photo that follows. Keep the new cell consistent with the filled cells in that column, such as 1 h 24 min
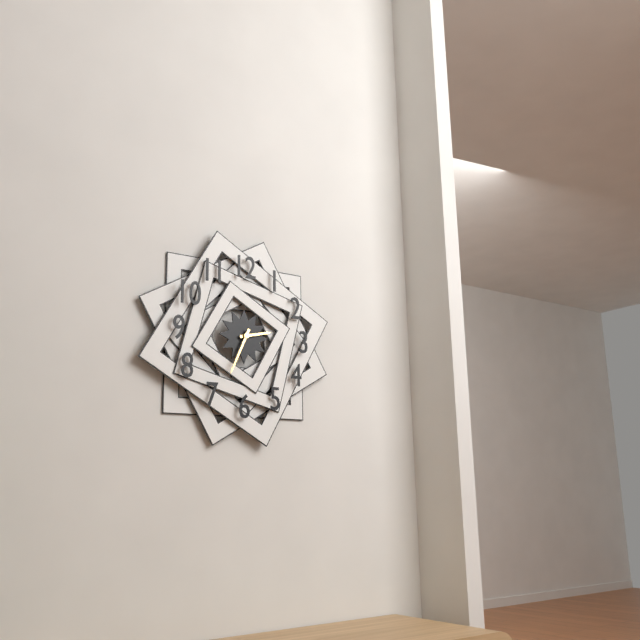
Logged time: 2 h 34 min
